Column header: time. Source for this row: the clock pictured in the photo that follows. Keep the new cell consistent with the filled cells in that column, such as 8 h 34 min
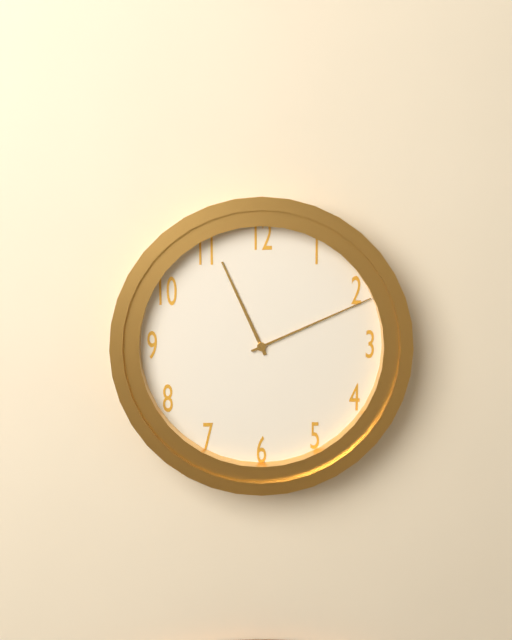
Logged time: 11 h 11 min
